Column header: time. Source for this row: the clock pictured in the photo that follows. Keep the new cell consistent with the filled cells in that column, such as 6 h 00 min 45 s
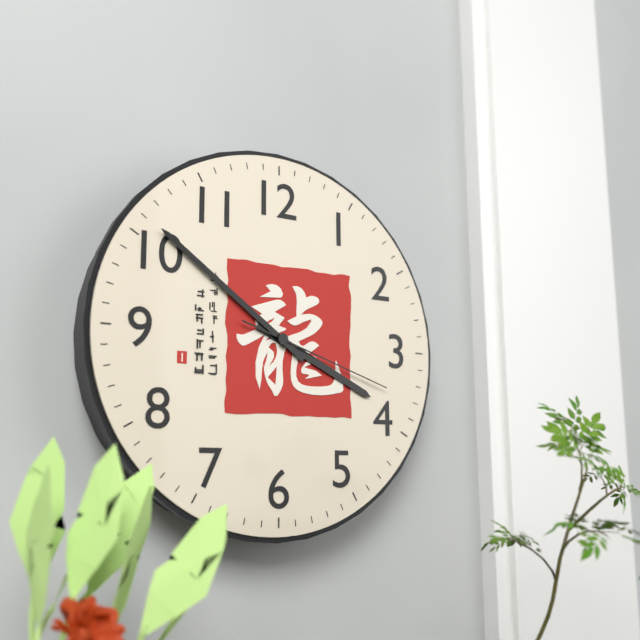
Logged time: 3 h 51 min 18 s
